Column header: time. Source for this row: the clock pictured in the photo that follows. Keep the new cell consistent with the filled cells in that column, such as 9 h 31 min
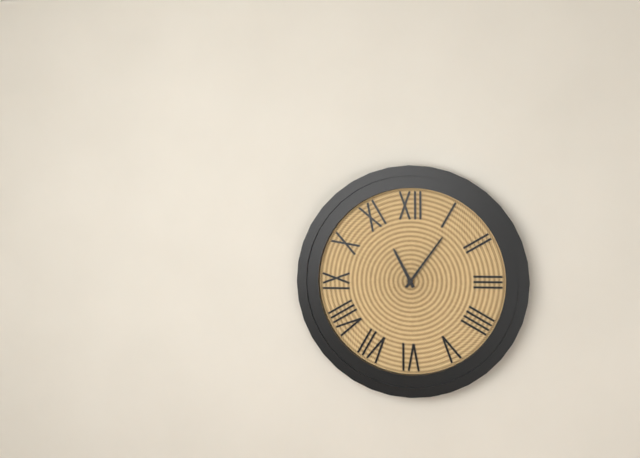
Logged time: 11 h 06 min
